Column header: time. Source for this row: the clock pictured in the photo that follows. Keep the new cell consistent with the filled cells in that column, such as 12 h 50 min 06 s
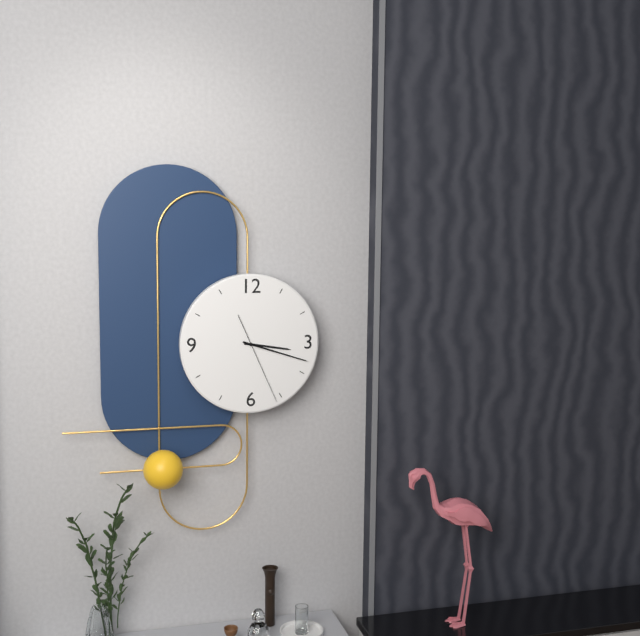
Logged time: 3 h 18 min 26 s
